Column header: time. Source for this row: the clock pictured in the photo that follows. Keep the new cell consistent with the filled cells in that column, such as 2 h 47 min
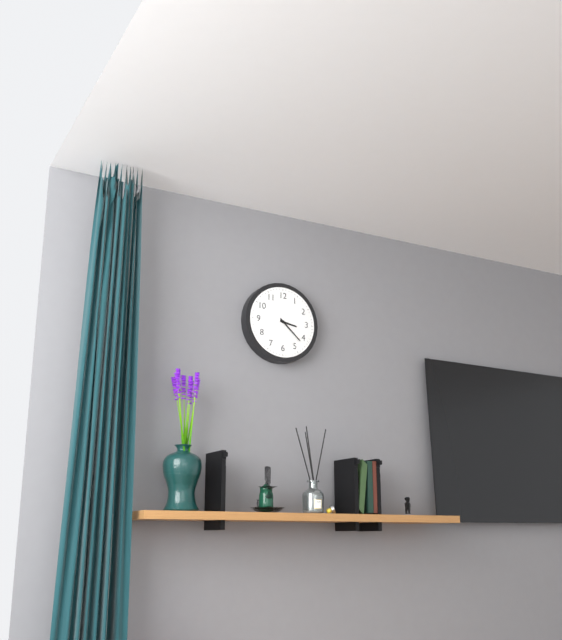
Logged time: 3 h 22 min
